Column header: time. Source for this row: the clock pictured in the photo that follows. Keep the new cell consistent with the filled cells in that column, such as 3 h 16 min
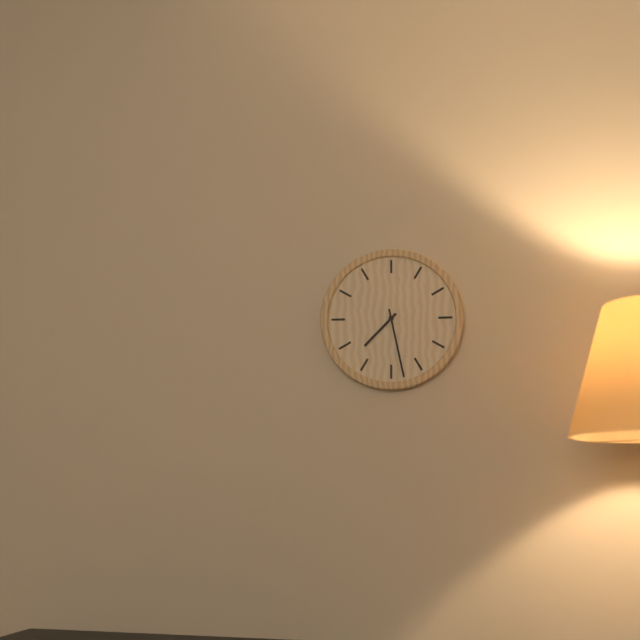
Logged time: 7 h 28 min
